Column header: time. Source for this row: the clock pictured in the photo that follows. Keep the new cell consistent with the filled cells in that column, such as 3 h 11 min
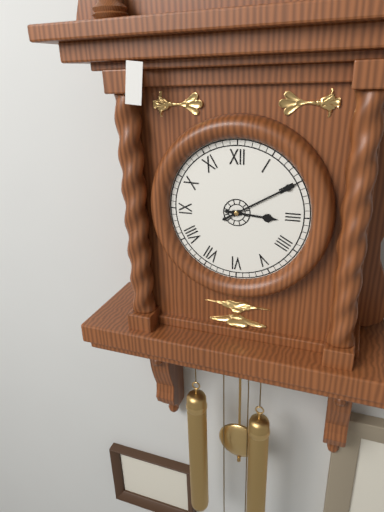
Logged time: 3 h 10 min
